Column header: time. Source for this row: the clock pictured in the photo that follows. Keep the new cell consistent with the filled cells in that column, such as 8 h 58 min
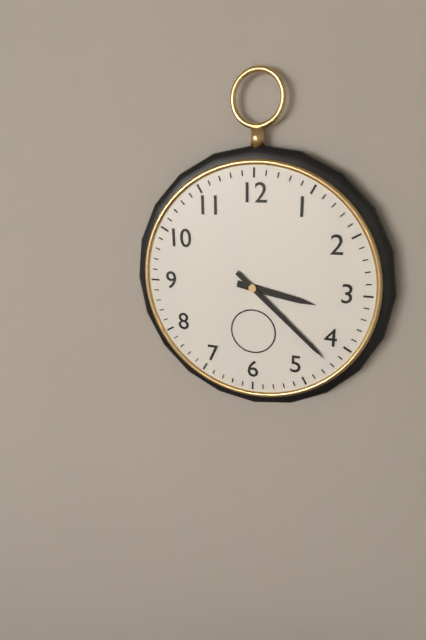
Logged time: 3 h 22 min
